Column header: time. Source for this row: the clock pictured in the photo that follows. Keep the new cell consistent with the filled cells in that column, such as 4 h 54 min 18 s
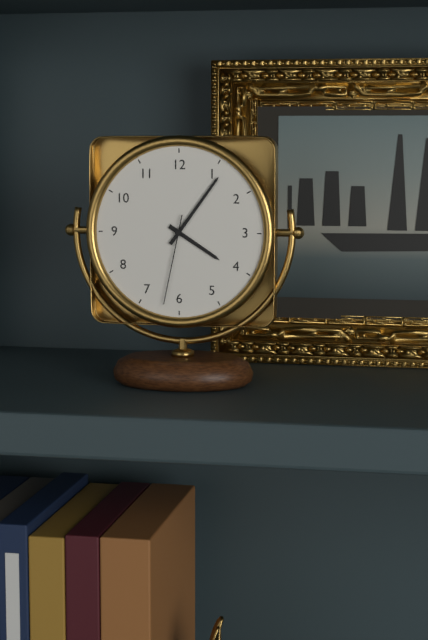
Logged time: 4 h 06 min 32 s
